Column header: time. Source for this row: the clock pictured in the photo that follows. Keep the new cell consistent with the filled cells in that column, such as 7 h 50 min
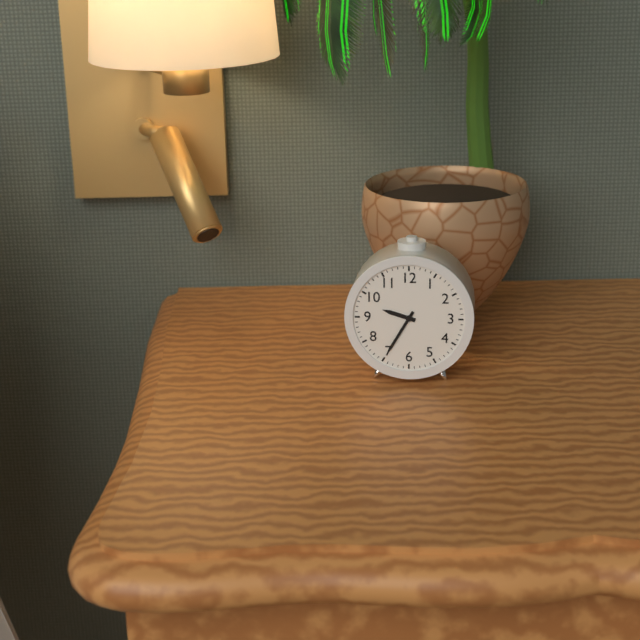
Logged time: 9 h 35 min
